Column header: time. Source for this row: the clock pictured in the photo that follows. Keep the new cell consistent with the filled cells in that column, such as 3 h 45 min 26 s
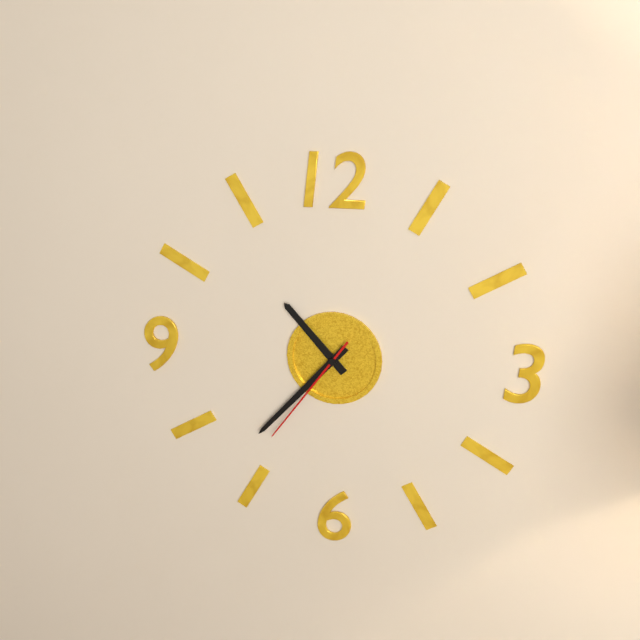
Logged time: 10 h 37 min 36 s
